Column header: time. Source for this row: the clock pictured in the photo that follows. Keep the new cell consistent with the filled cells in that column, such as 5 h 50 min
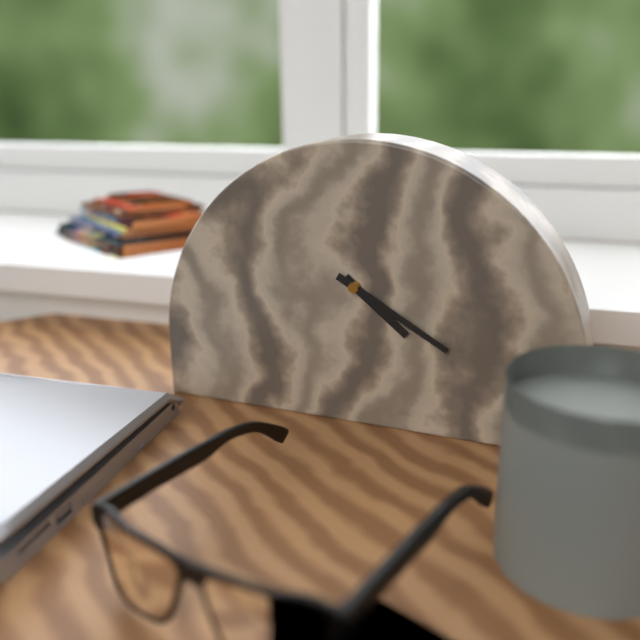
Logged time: 4 h 20 min
